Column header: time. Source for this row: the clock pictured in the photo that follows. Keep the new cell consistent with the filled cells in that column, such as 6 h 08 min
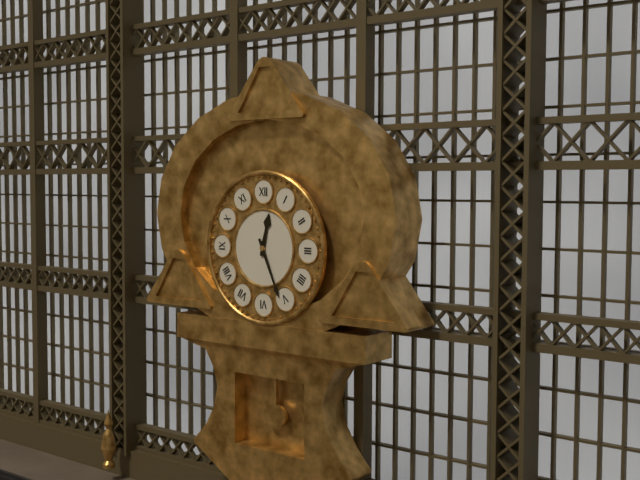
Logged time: 12 h 26 min
